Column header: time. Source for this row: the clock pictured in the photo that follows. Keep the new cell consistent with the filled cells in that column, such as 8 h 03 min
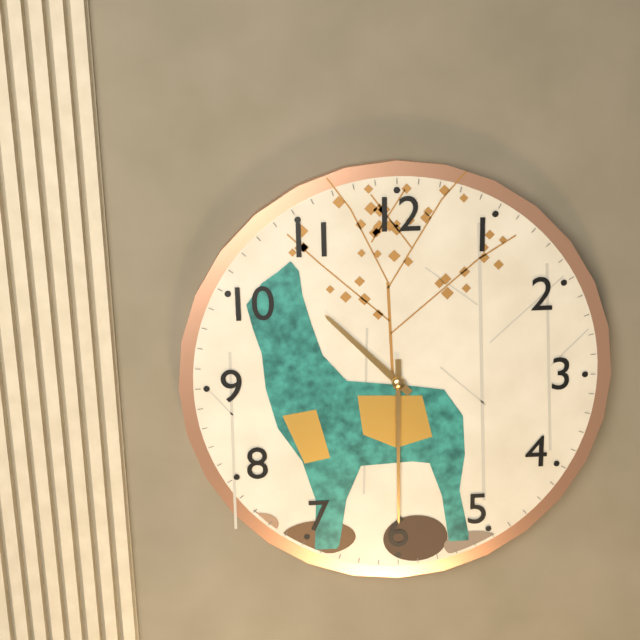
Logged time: 10 h 30 min
